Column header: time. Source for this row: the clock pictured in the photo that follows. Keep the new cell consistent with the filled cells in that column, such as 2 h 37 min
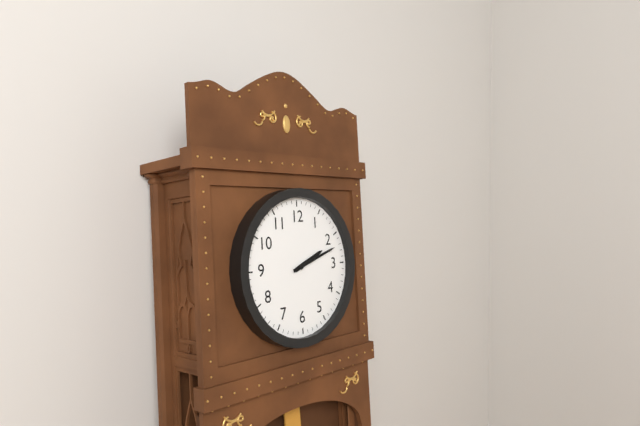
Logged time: 2 h 12 min
